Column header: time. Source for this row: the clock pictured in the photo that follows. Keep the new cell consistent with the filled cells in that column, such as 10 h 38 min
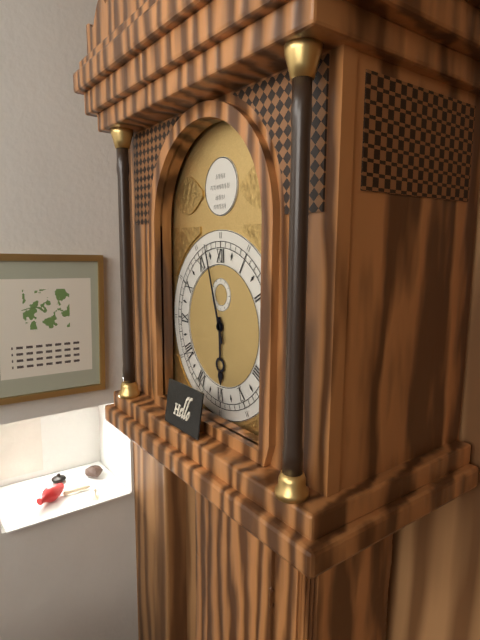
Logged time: 5 h 57 min
